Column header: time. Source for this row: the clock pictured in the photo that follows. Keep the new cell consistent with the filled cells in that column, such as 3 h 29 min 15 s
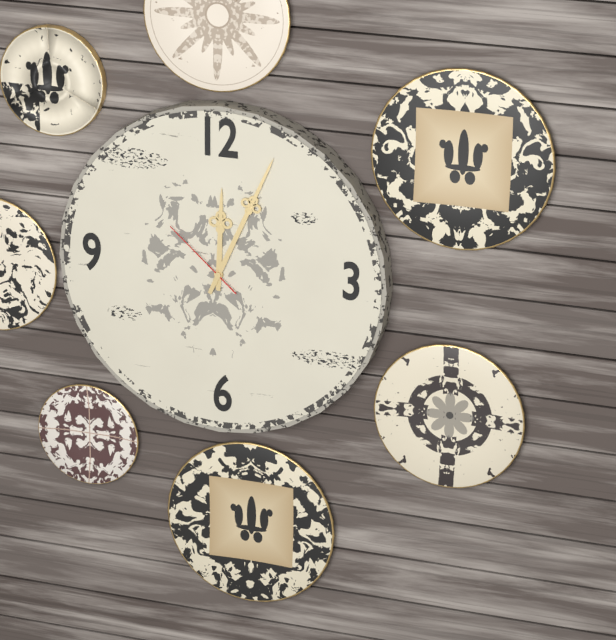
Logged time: 12 h 04 min 52 s
